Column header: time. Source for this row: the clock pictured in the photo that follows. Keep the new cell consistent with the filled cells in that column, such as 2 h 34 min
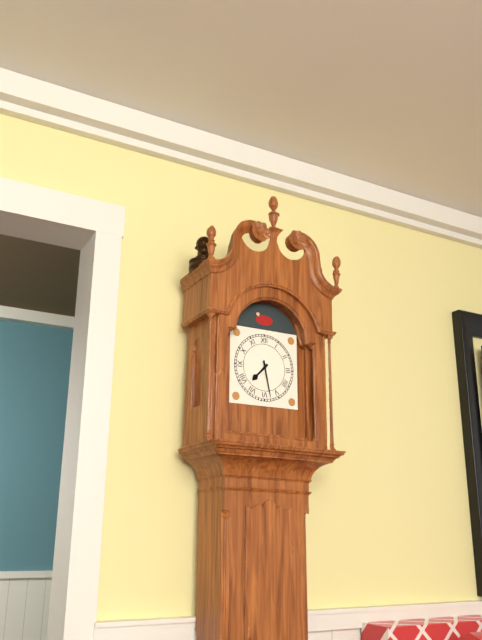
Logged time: 7 h 28 min
